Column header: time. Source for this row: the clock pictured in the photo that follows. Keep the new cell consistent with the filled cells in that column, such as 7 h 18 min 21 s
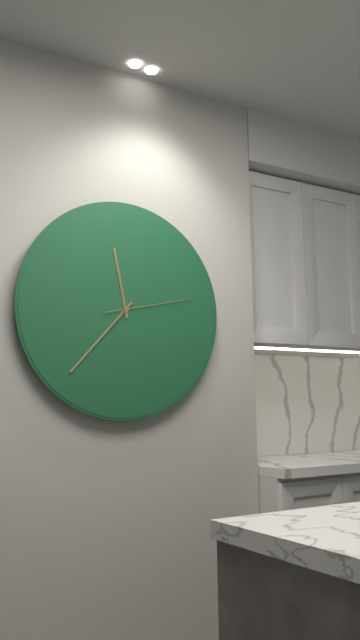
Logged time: 11 h 37 min 13 s
